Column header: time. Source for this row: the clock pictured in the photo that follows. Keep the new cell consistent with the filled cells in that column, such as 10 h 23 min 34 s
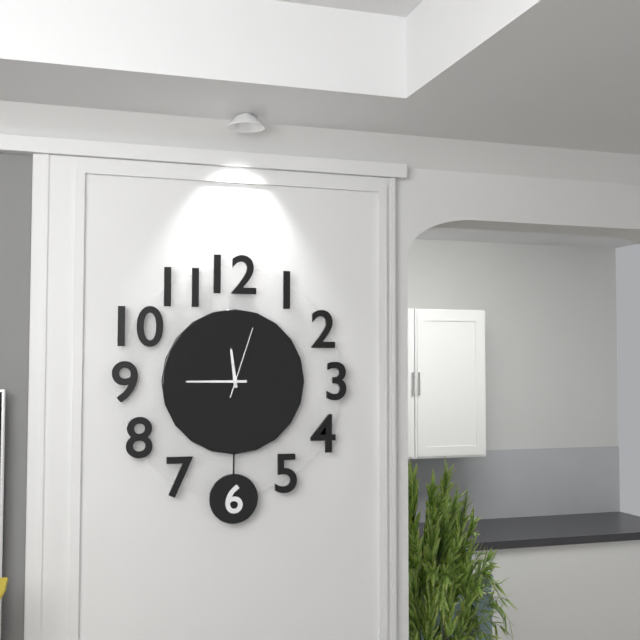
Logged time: 11 h 45 min 03 s
